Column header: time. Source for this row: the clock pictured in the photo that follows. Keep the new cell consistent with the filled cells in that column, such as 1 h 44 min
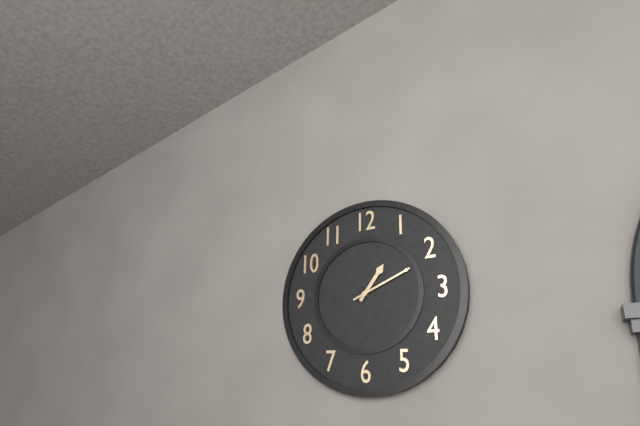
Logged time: 1 h 11 min
